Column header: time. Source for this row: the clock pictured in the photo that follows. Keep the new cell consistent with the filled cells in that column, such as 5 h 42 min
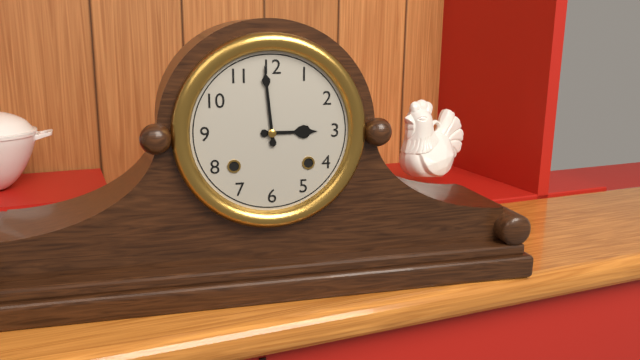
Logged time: 2 h 59 min
